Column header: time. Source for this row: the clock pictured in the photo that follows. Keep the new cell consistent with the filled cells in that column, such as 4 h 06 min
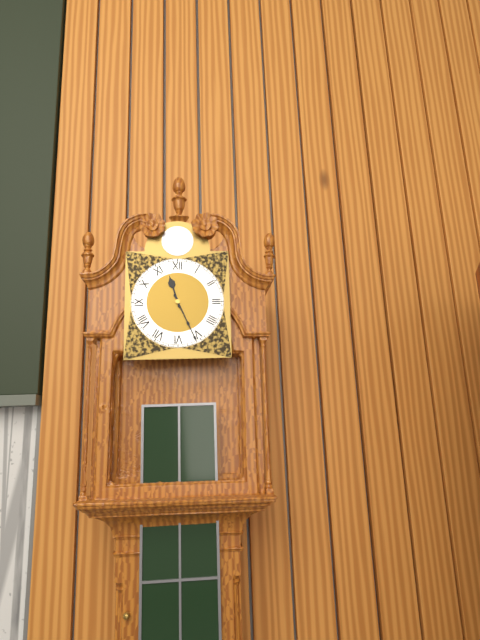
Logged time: 11 h 26 min
